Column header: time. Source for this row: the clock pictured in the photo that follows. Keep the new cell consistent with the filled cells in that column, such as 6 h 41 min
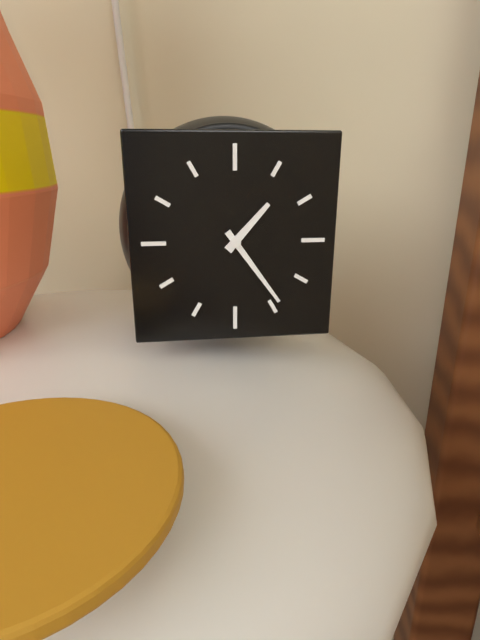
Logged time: 1 h 24 min
